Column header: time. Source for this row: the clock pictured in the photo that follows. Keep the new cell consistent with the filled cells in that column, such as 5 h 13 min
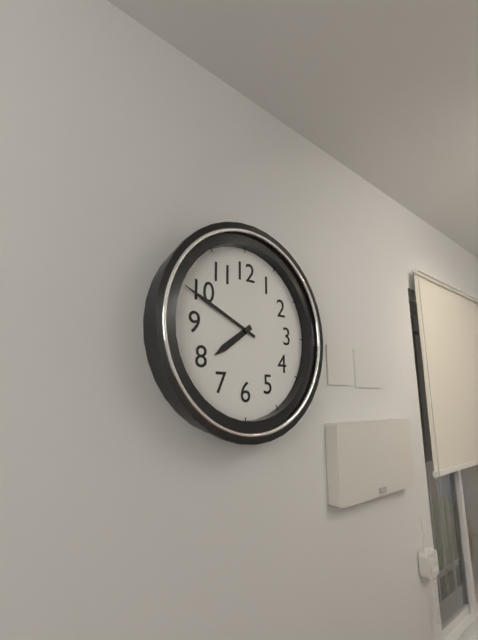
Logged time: 7 h 49 min
